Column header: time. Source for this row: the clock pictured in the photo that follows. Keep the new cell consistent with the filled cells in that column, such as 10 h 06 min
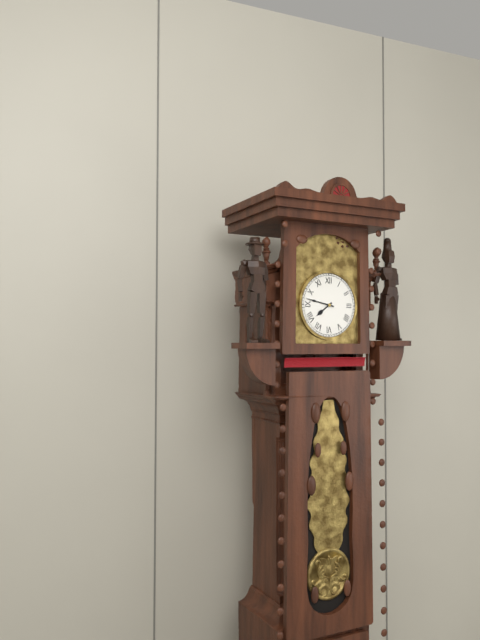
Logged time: 7 h 47 min
